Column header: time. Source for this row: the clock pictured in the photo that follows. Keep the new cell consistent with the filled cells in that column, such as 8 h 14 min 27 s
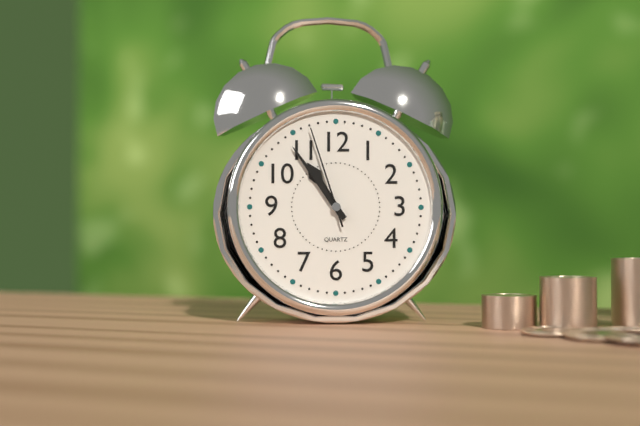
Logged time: 10 h 54 min 57 s
